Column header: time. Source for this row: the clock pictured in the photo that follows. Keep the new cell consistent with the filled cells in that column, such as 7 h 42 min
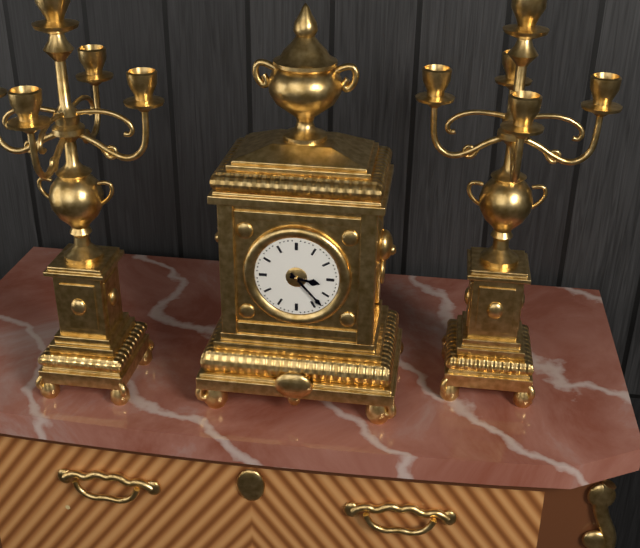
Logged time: 3 h 23 min
